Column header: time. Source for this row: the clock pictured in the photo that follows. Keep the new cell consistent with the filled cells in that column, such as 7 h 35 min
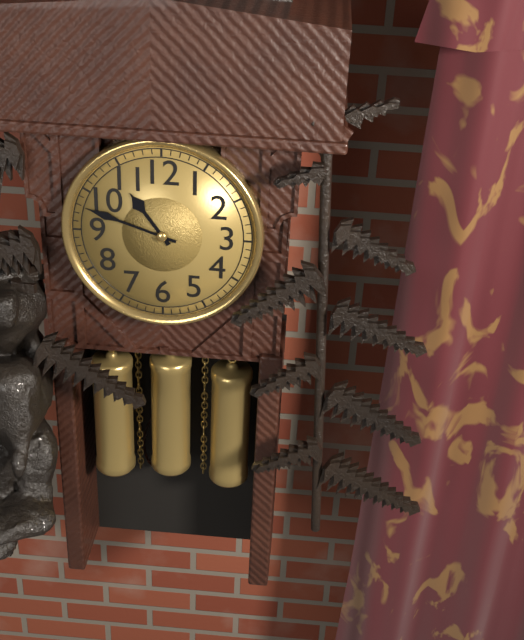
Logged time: 10 h 48 min
